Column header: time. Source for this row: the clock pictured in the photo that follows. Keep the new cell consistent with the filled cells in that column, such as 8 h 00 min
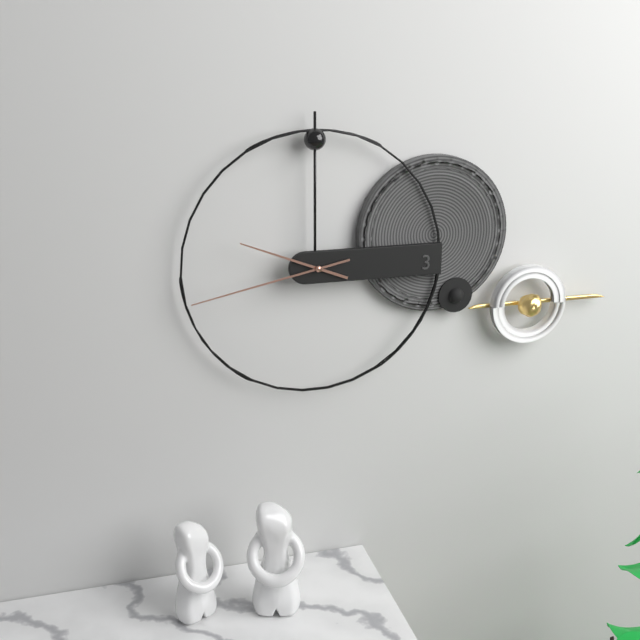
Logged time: 9 h 43 min
